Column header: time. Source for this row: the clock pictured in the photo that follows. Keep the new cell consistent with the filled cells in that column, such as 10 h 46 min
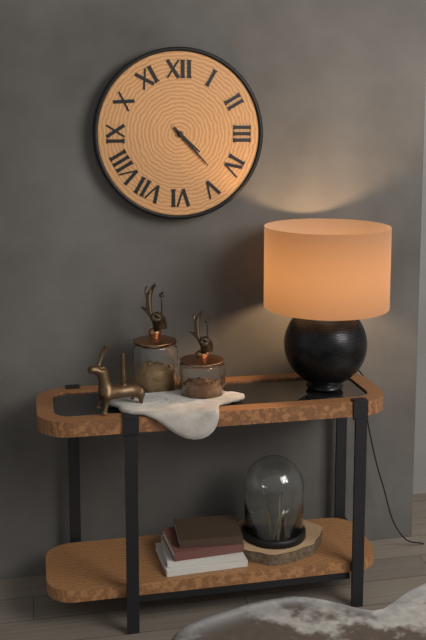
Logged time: 4 h 23 min
